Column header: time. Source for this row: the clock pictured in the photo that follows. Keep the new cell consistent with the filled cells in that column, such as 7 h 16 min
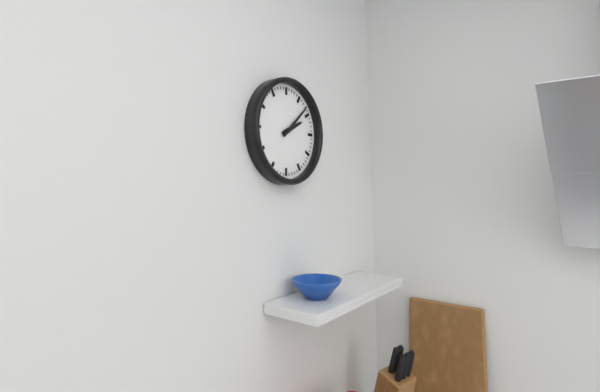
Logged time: 2 h 08 min
